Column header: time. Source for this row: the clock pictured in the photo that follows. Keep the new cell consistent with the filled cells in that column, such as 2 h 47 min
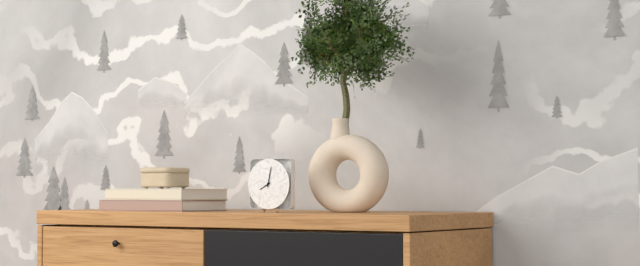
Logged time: 8 h 02 min
